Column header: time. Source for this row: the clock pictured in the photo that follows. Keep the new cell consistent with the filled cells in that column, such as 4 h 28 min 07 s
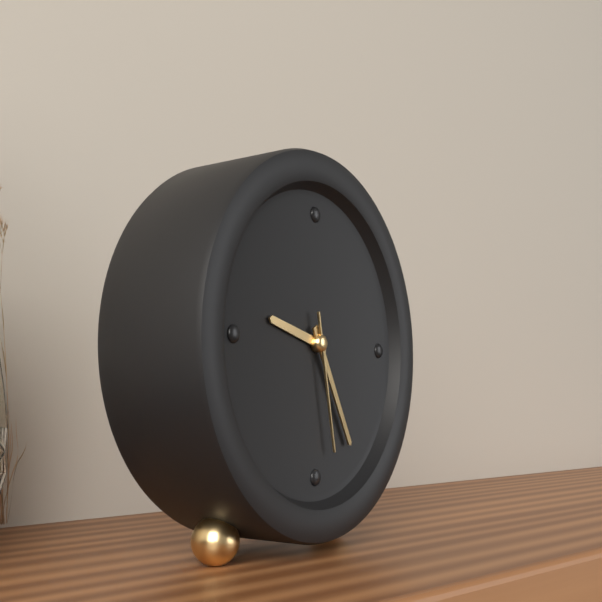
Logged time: 9 h 25 min 28 s
